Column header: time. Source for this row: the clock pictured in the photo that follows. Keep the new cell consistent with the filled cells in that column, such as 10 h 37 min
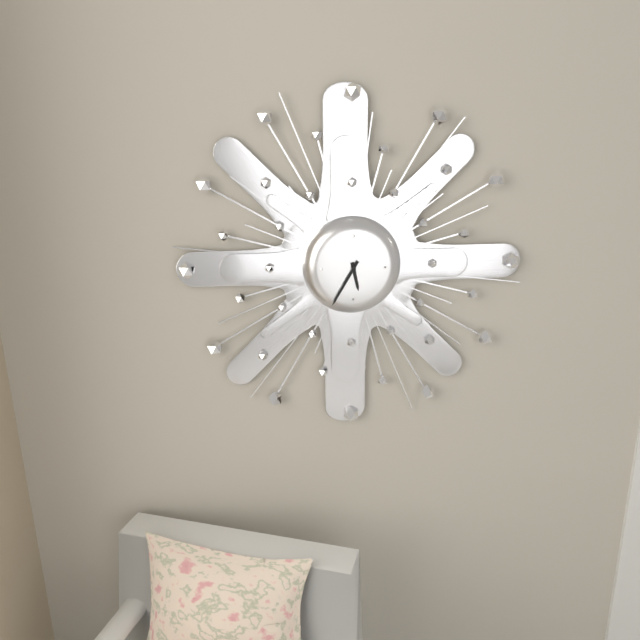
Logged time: 5 h 35 min
